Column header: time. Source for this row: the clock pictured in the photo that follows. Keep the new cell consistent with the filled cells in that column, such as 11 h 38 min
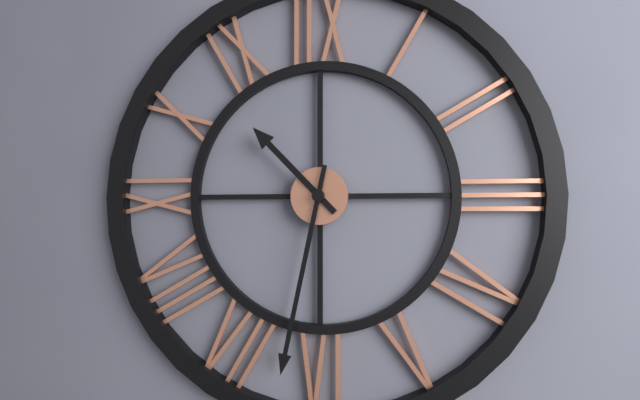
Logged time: 10 h 32 min
